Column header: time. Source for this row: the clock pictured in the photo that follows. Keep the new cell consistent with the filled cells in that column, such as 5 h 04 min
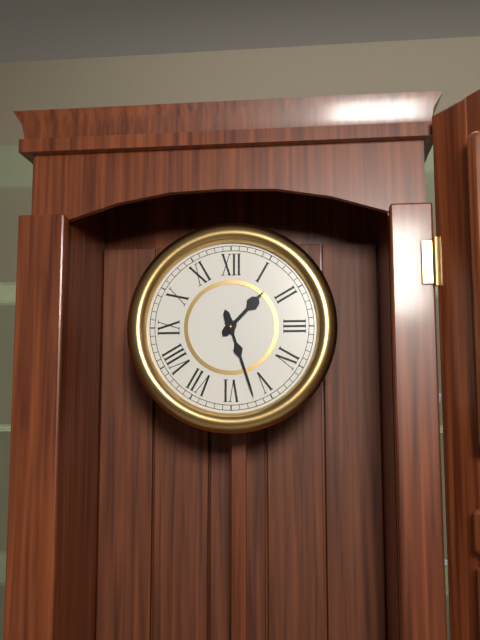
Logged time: 1 h 27 min
